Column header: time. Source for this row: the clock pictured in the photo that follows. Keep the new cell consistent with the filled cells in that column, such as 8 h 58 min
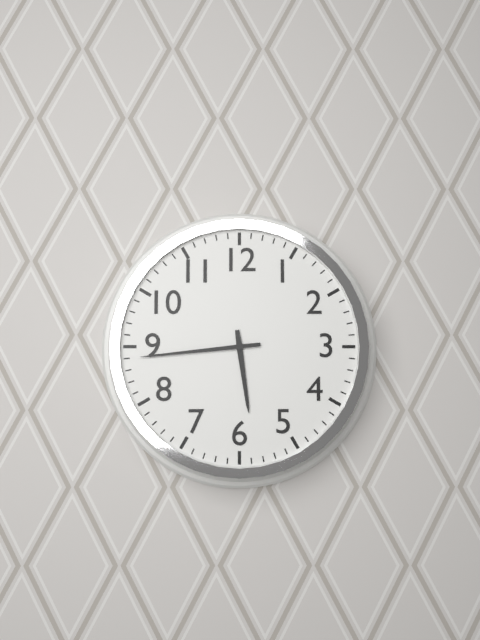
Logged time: 5 h 44 min
